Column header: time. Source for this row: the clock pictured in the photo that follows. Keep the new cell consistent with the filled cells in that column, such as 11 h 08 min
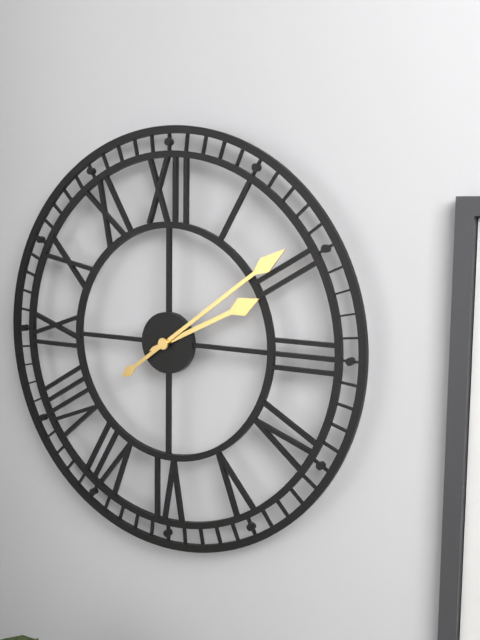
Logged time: 2 h 09 min
